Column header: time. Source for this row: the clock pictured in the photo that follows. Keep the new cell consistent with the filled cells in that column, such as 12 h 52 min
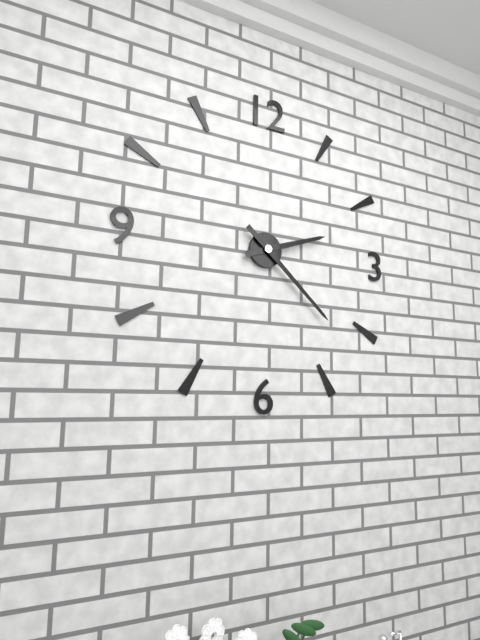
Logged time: 2 h 22 min
